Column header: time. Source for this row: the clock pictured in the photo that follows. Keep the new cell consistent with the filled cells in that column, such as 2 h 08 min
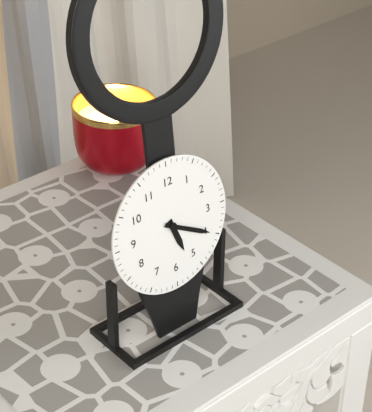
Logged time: 5 h 20 min
